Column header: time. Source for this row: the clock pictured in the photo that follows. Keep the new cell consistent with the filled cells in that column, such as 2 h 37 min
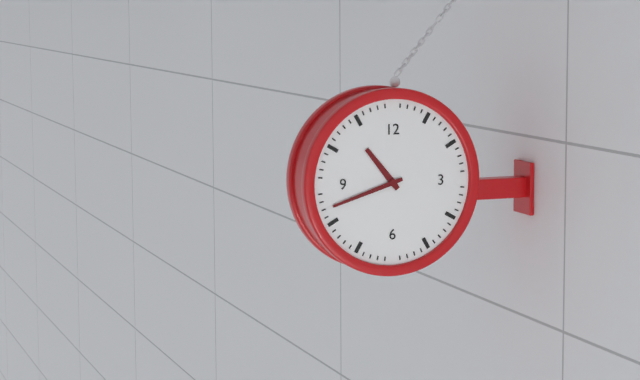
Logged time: 10 h 42 min
